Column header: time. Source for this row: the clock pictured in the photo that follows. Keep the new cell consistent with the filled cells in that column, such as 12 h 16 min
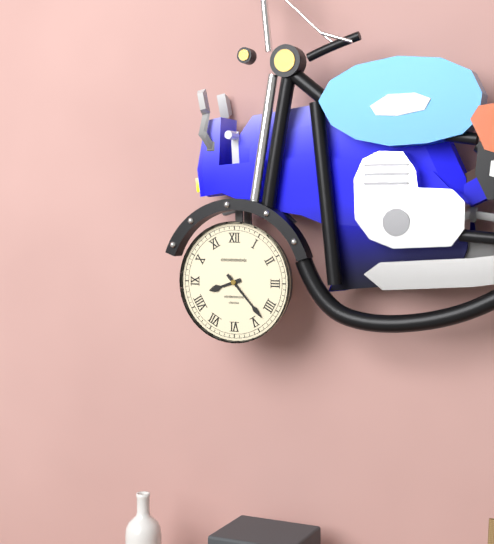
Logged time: 8 h 23 min
